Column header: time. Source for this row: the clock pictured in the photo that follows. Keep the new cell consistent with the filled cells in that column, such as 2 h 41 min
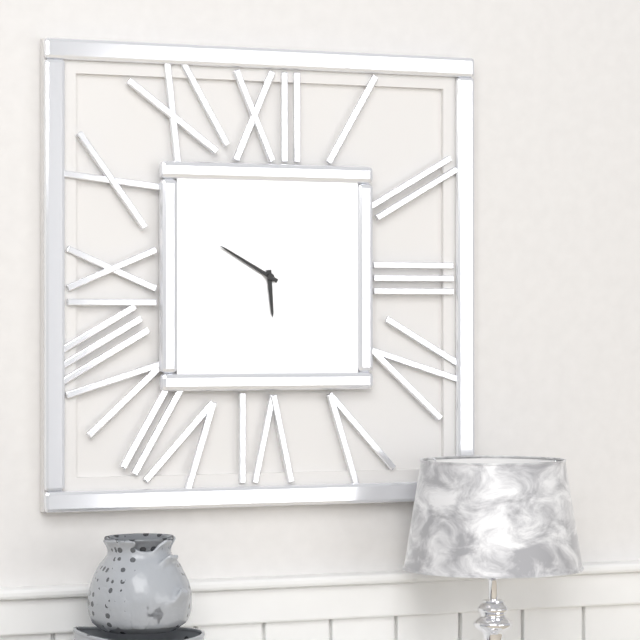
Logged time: 5 h 50 min
